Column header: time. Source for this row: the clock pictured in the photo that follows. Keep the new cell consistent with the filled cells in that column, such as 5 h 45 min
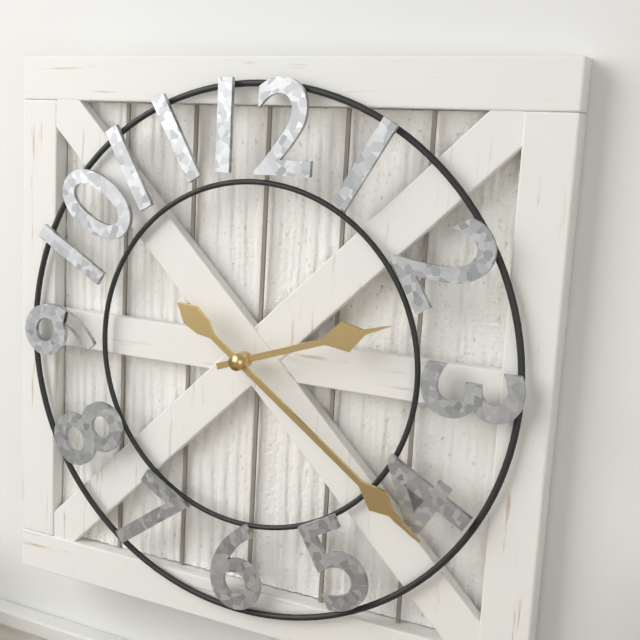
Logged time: 2 h 21 min
